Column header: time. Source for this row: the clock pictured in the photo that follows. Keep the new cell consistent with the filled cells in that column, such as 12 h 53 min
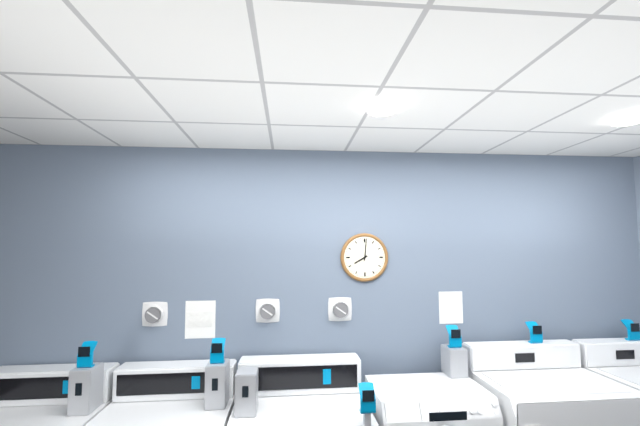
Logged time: 8 h 01 min
